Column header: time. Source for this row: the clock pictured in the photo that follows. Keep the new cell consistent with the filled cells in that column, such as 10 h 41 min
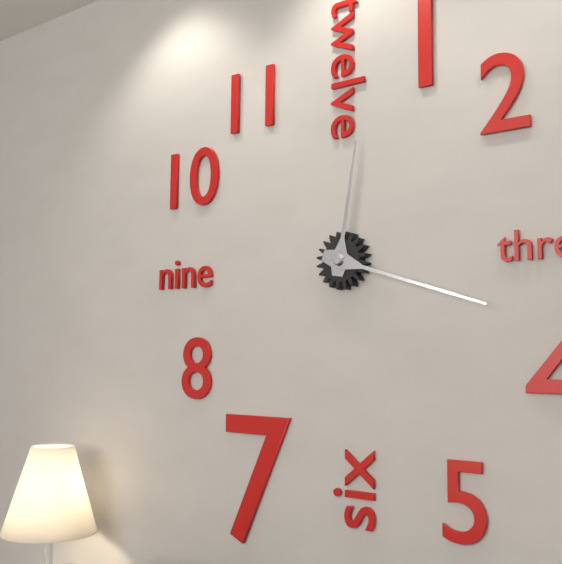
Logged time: 12 h 18 min
